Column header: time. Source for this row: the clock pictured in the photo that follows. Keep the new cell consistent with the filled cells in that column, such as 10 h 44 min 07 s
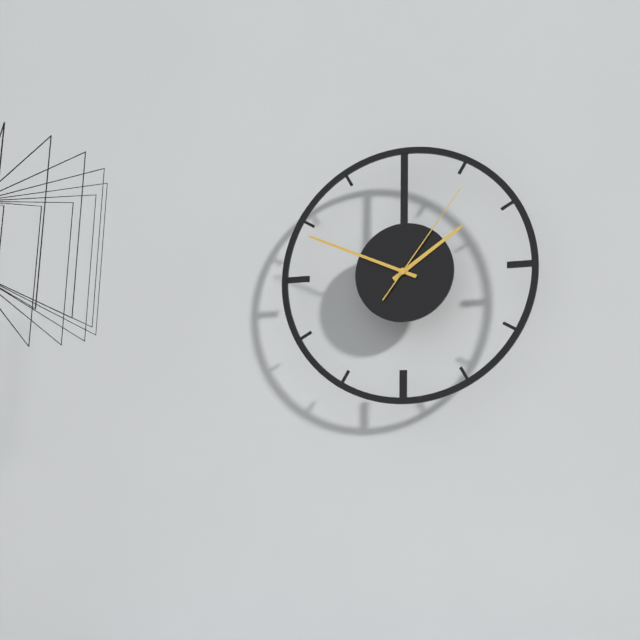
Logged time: 1 h 49 min 06 s
